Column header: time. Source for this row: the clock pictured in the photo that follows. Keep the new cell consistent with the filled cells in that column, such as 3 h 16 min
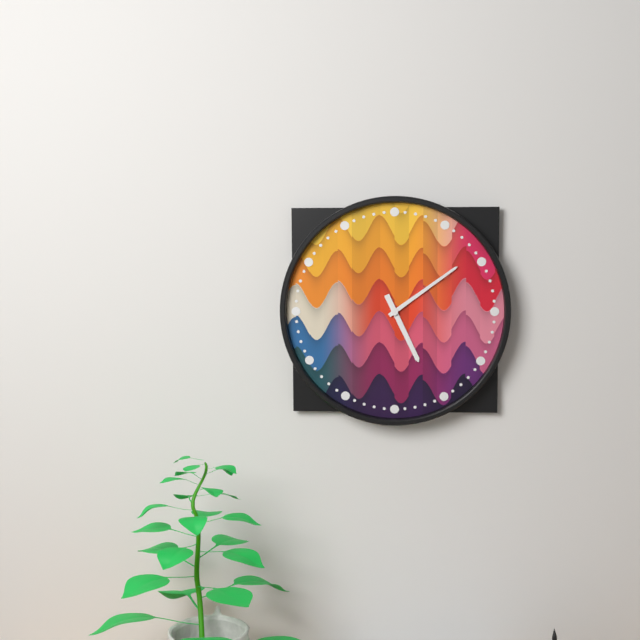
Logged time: 5 h 09 min
